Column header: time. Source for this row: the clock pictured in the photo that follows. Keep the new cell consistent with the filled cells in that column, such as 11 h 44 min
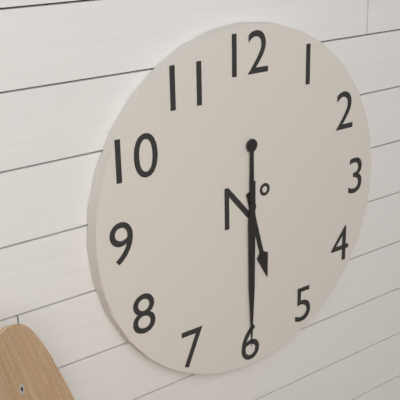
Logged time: 5 h 30 min
